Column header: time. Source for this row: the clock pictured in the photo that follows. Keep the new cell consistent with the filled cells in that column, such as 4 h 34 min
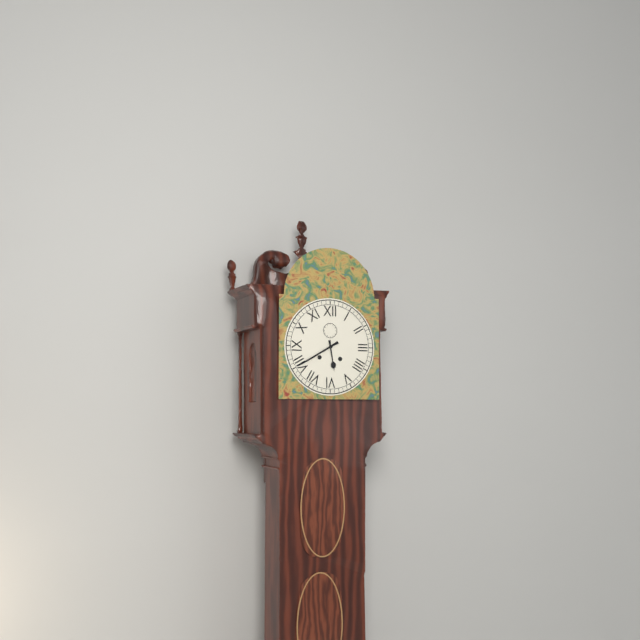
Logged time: 5 h 40 min
